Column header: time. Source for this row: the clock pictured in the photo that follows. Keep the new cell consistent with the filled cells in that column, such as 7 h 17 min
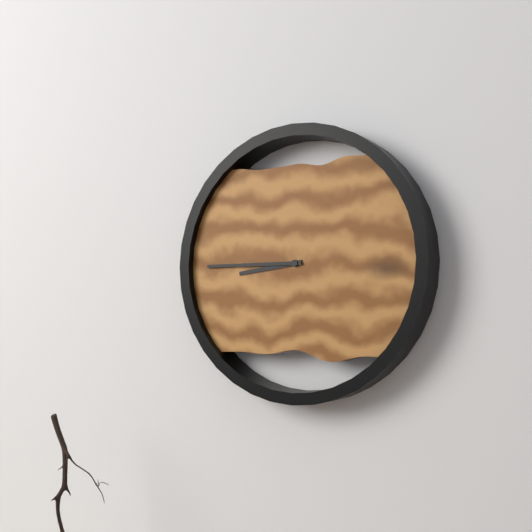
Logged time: 8 h 45 min
